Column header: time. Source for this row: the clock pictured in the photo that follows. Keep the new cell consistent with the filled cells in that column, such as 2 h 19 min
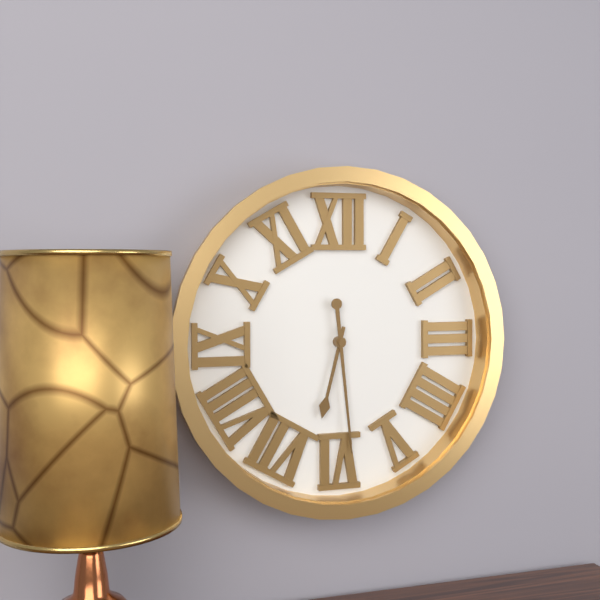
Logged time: 6 h 29 min
